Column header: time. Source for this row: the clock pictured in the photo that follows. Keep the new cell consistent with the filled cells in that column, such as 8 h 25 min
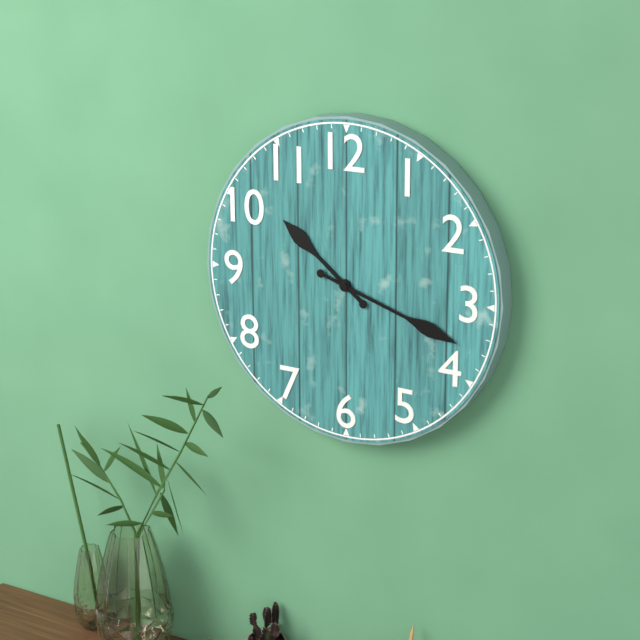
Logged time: 10 h 18 min
